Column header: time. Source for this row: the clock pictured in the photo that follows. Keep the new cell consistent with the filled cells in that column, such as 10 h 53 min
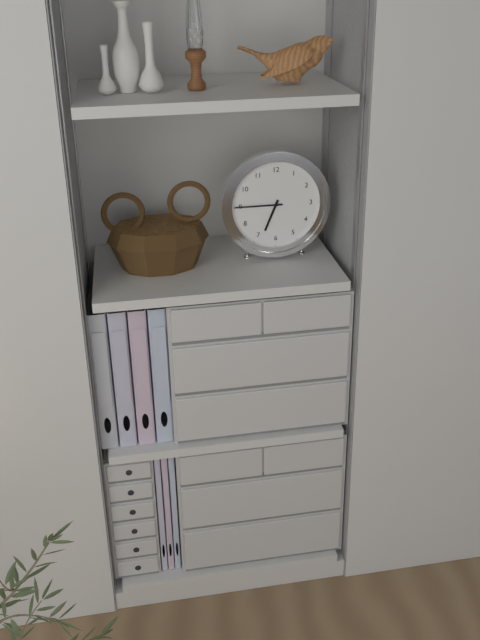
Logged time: 6 h 45 min
